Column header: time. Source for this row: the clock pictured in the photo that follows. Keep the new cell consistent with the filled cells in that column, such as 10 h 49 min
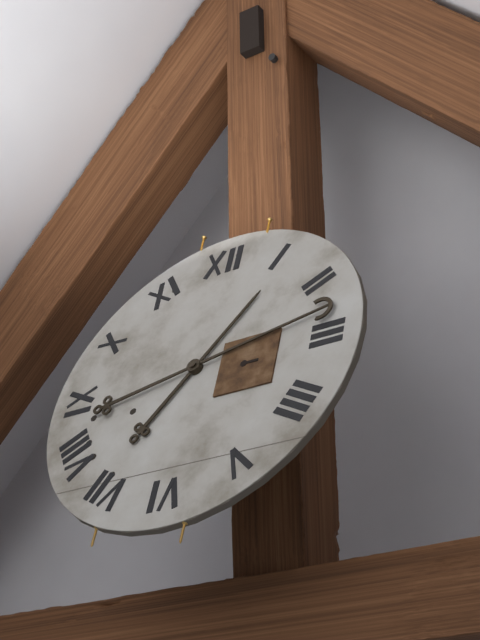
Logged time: 1 h 13 min
